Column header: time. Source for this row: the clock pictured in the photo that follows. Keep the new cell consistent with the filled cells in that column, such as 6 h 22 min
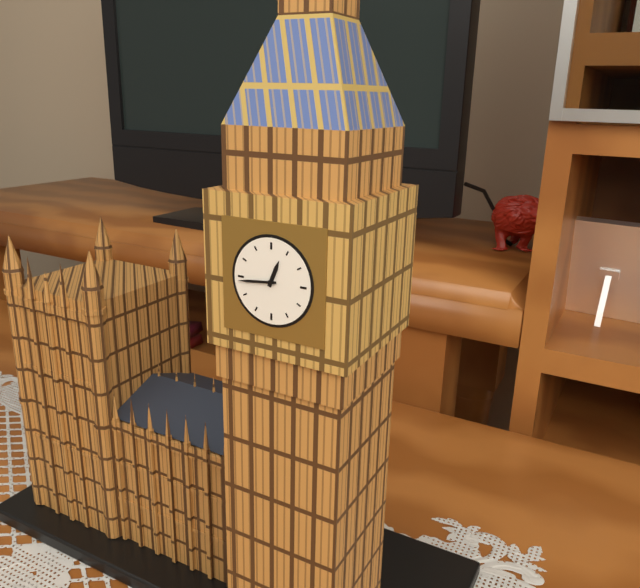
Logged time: 12 h 44 min
